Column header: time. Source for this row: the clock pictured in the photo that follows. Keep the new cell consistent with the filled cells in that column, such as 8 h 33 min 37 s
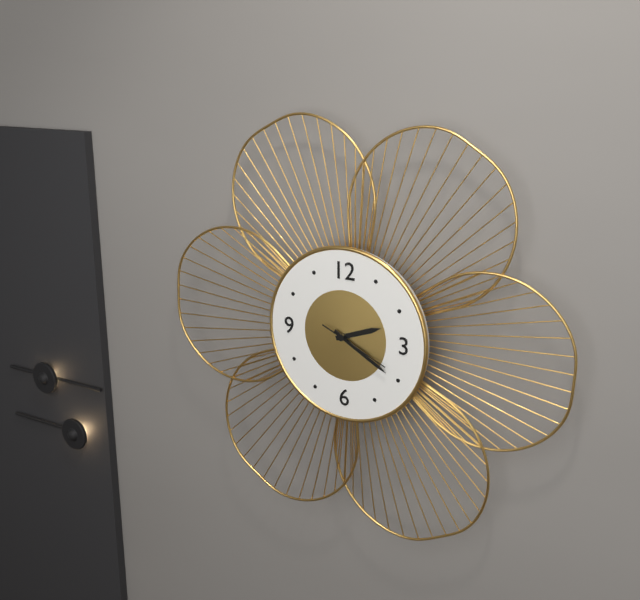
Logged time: 2 h 20 min 19 s
